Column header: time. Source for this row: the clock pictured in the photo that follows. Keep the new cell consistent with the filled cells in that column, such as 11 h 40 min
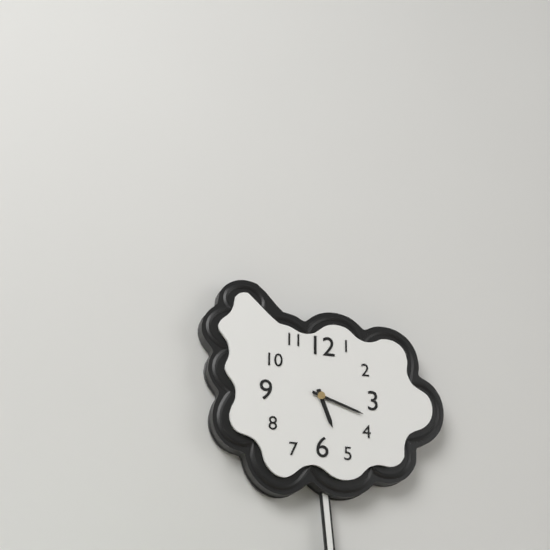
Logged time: 5 h 18 min
